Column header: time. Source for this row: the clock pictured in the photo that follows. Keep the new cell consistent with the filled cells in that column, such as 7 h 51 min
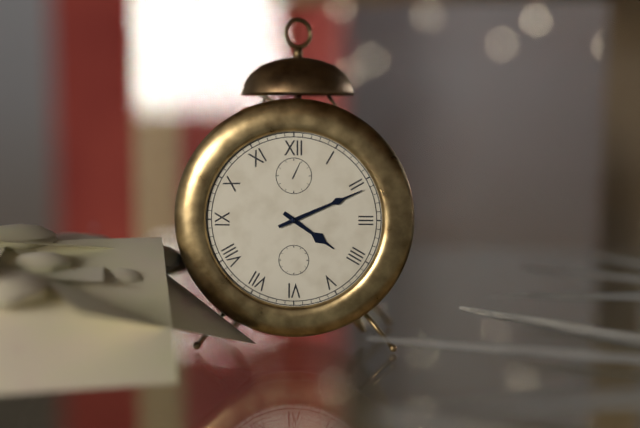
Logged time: 4 h 11 min
